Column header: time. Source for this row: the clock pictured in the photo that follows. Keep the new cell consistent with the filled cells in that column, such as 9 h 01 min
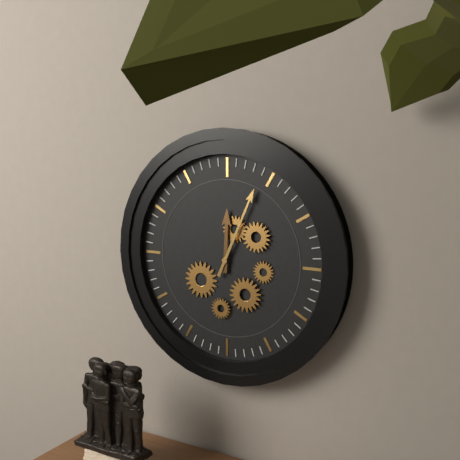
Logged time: 12 h 04 min
